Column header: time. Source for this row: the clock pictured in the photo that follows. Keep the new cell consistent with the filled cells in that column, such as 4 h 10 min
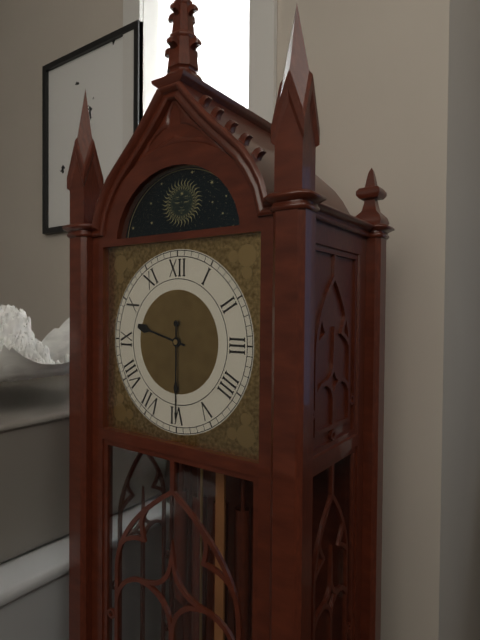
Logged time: 9 h 30 min
